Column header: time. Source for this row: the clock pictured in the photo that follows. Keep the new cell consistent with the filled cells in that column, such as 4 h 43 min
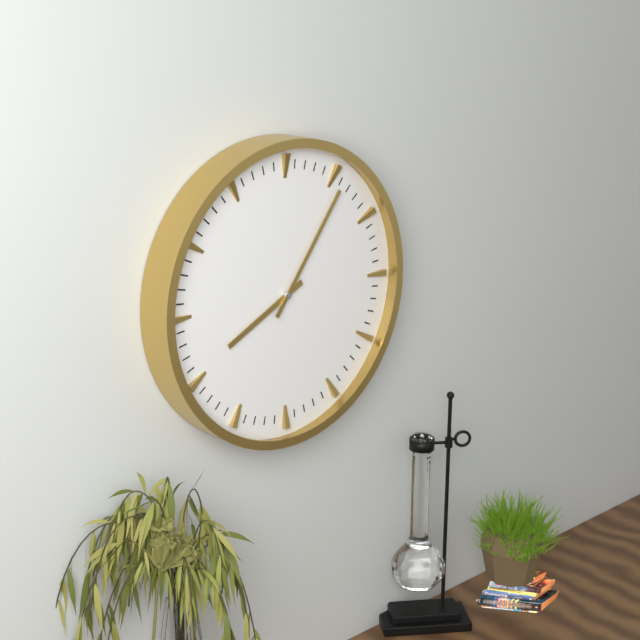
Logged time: 8 h 06 min
